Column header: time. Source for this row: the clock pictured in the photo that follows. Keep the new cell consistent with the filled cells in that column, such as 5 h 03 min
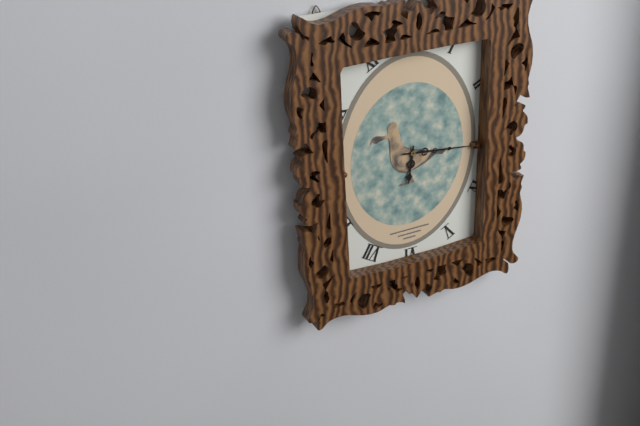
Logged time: 6 h 16 min
